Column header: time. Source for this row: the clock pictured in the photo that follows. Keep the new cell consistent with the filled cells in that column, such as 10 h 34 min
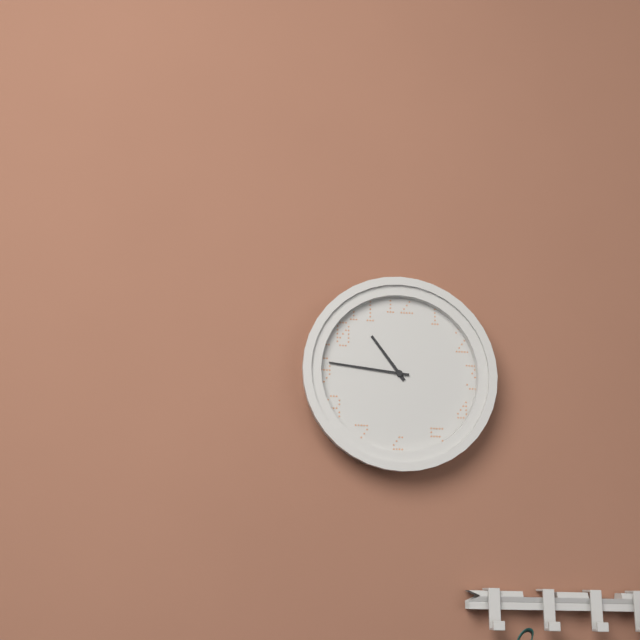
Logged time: 10 h 46 min
